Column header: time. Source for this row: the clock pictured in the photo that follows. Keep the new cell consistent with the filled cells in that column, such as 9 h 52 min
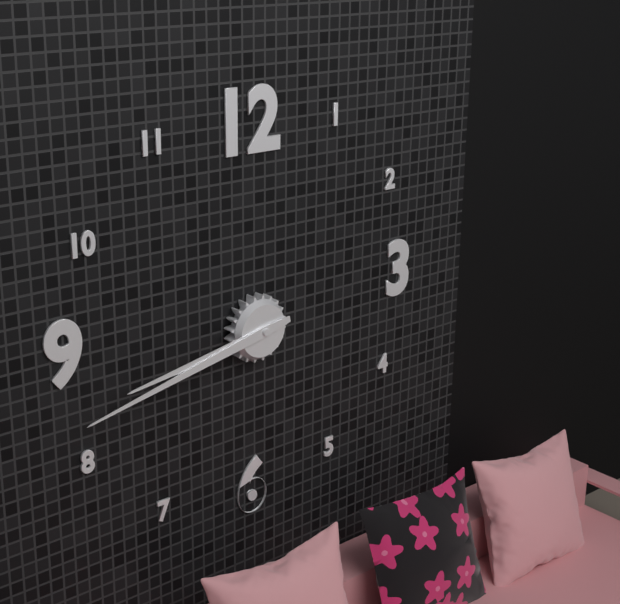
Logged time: 8 h 43 min
